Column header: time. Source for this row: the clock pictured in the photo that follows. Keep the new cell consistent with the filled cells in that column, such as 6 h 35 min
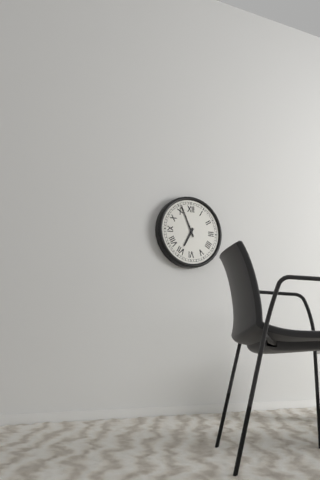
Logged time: 6 h 56 min
